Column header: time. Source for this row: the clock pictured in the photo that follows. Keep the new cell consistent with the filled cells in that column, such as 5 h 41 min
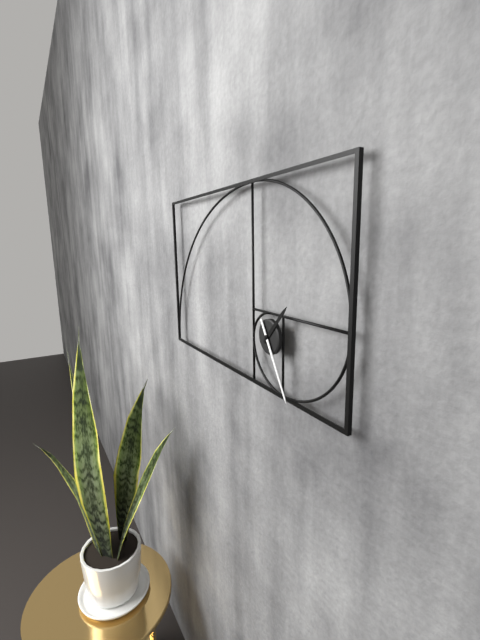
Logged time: 1 h 25 min
